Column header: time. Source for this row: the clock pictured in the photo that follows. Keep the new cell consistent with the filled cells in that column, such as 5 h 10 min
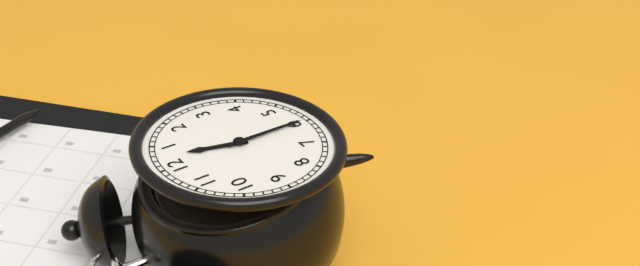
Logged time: 12 h 30 min
